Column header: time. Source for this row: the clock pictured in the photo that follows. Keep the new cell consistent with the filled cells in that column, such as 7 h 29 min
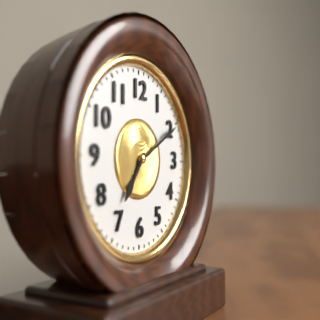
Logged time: 7 h 10 min
